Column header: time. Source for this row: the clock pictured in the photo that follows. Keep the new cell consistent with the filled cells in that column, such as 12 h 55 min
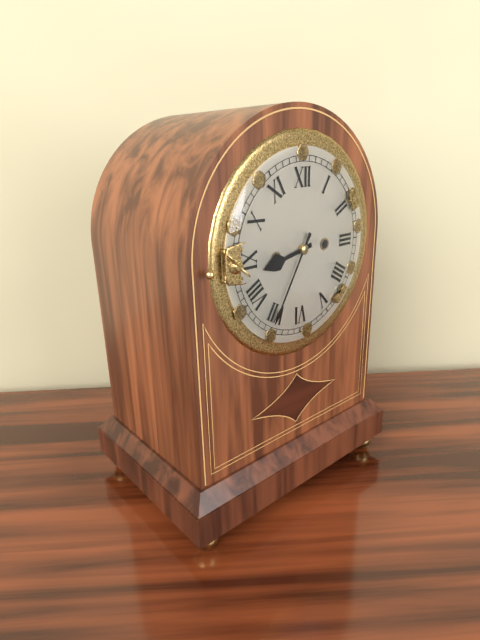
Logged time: 8 h 35 min
